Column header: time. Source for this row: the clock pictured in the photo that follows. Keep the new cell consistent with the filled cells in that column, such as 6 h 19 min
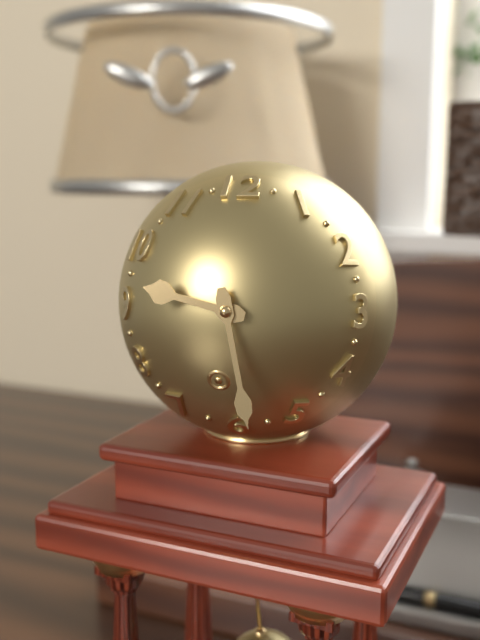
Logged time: 9 h 28 min
